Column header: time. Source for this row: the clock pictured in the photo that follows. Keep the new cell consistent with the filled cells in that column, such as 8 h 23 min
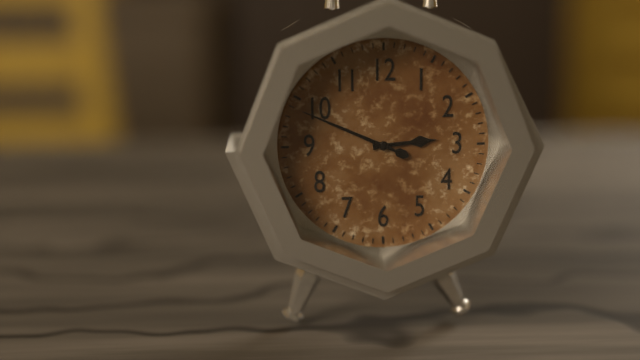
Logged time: 2 h 49 min
